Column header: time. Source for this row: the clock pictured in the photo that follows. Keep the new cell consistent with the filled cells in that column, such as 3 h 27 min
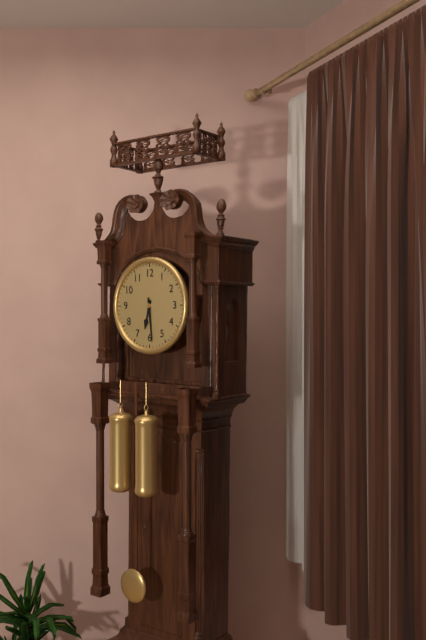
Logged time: 6 h 29 min
